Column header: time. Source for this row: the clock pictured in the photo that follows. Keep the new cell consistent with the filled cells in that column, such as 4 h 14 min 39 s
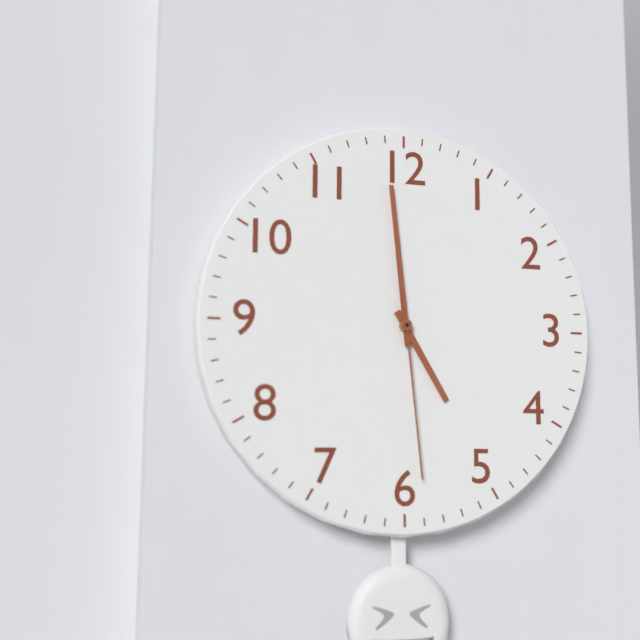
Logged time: 4 h 59 min 29 s
